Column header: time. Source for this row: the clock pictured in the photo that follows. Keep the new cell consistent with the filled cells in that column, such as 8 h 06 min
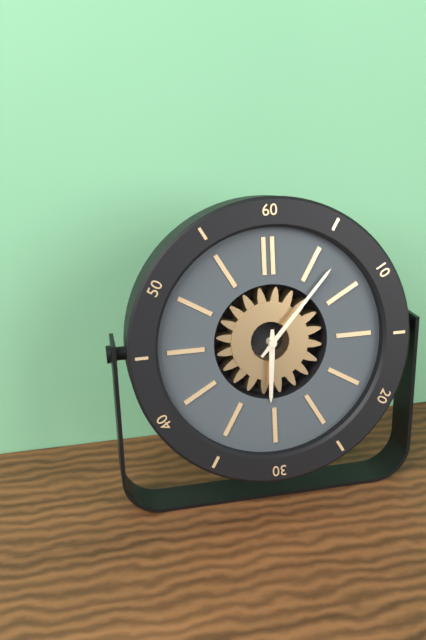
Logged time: 6 h 07 min
